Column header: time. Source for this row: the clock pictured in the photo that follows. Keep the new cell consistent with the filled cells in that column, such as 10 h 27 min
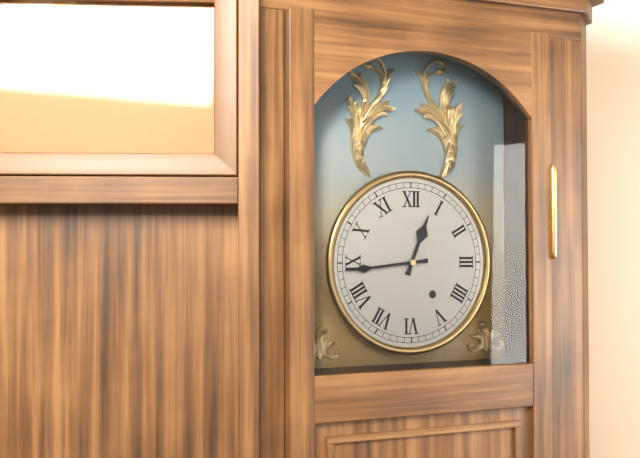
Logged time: 12 h 44 min
